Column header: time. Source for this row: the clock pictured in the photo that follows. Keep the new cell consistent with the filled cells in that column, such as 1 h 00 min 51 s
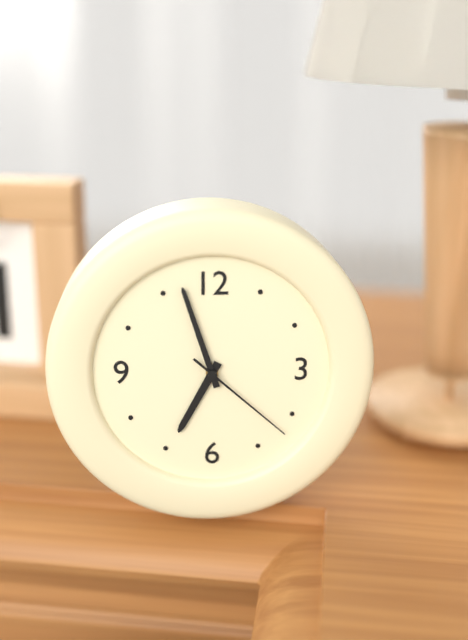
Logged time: 6 h 57 min 22 s
